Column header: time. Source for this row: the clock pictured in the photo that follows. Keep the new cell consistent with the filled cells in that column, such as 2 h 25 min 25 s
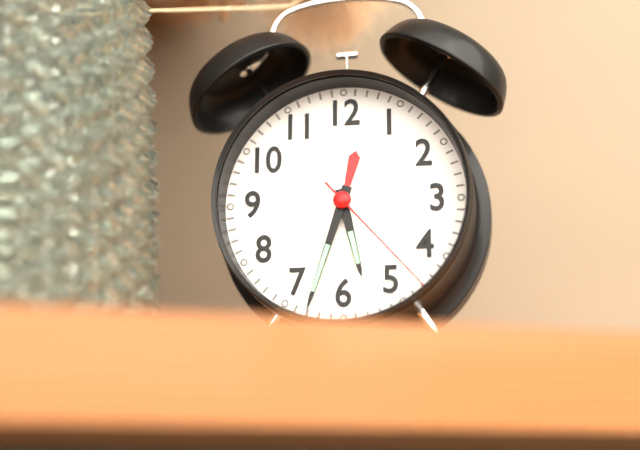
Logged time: 5 h 33 min 23 s
